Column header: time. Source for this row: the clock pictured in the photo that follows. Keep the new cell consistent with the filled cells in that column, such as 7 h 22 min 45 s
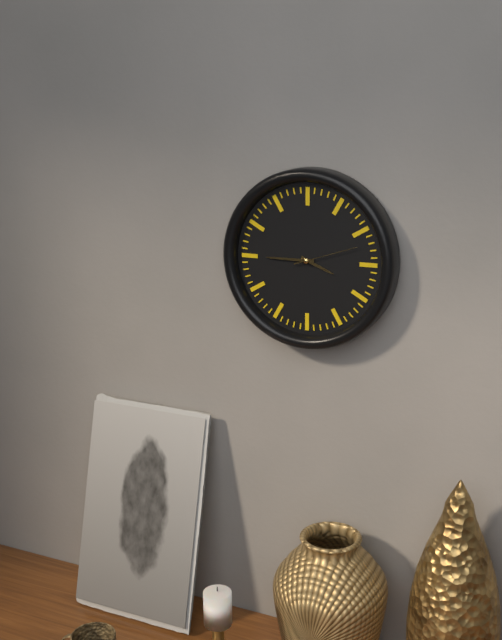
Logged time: 3 h 45 min 12 s
